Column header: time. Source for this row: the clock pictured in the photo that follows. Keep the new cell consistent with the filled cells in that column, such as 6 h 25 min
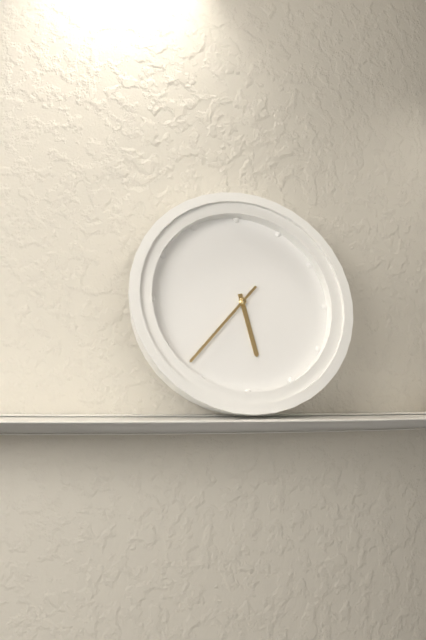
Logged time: 5 h 37 min
